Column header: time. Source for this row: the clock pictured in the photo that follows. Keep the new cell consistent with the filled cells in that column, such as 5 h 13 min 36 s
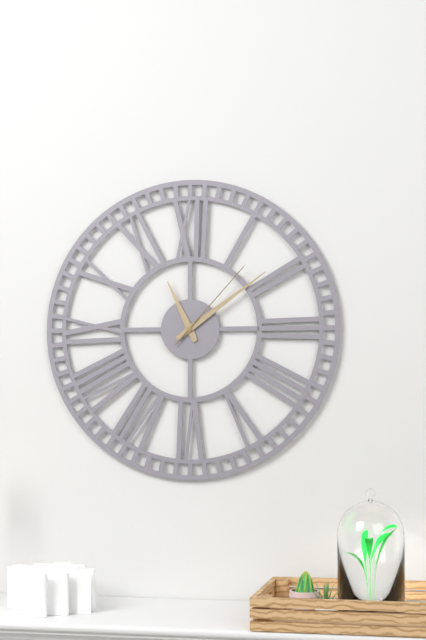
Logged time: 11 h 09 min 07 s
